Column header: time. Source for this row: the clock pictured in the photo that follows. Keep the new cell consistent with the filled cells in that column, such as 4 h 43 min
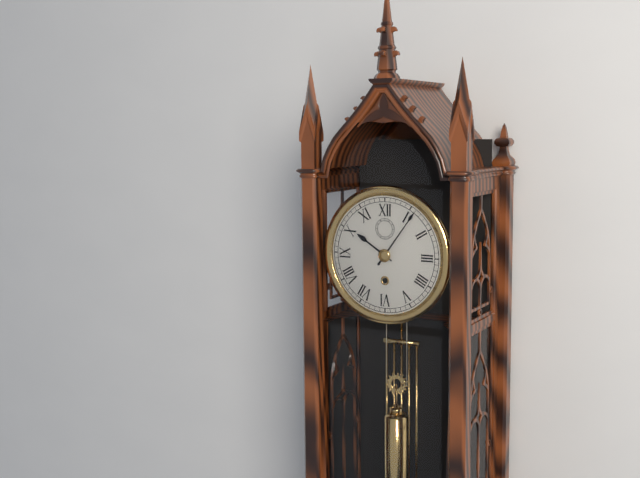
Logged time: 10 h 06 min
